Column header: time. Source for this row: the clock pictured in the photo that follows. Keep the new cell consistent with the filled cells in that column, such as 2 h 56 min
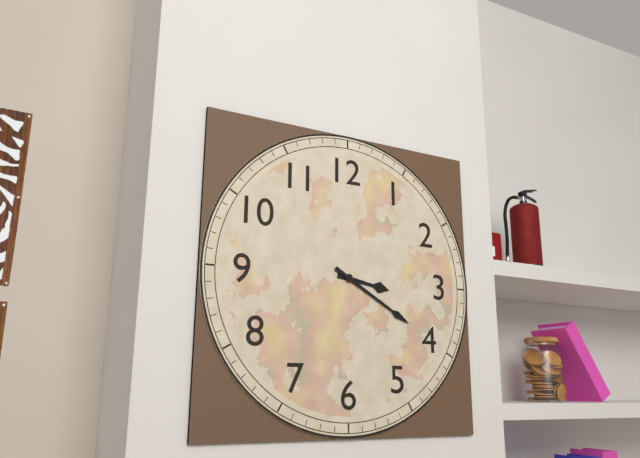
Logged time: 3 h 20 min
